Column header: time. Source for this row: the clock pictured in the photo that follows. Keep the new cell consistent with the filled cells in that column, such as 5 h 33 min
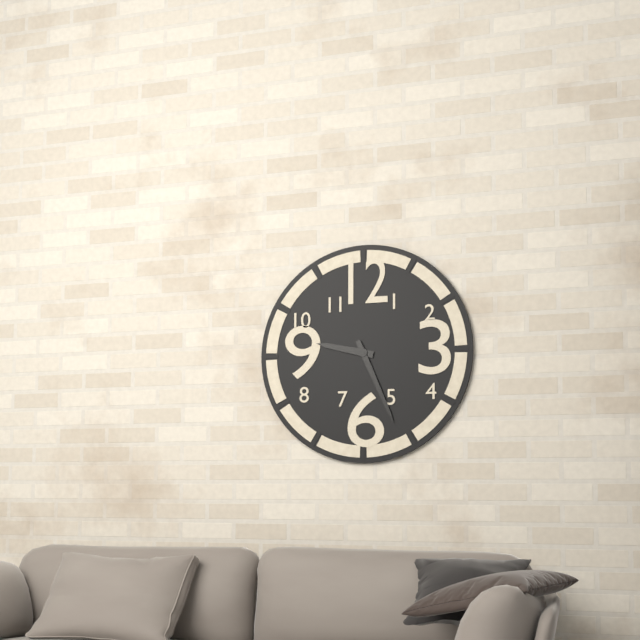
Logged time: 9 h 26 min
